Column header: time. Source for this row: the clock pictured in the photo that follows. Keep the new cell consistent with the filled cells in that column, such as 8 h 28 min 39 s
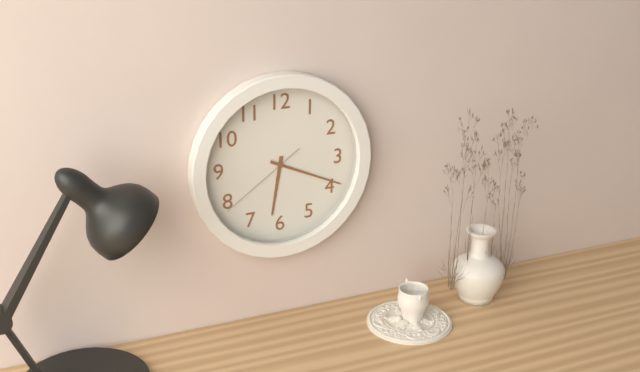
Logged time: 6 h 19 min 39 s
